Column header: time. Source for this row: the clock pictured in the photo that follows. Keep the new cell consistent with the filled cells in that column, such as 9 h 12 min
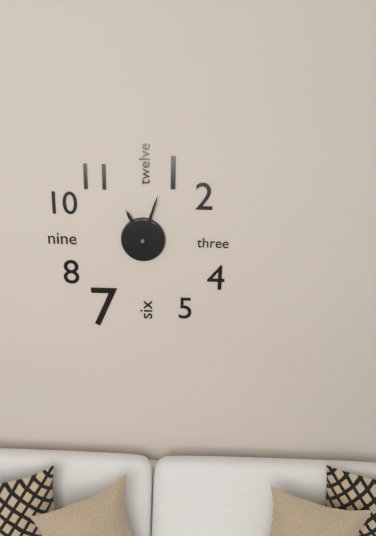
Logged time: 11 h 03 min
